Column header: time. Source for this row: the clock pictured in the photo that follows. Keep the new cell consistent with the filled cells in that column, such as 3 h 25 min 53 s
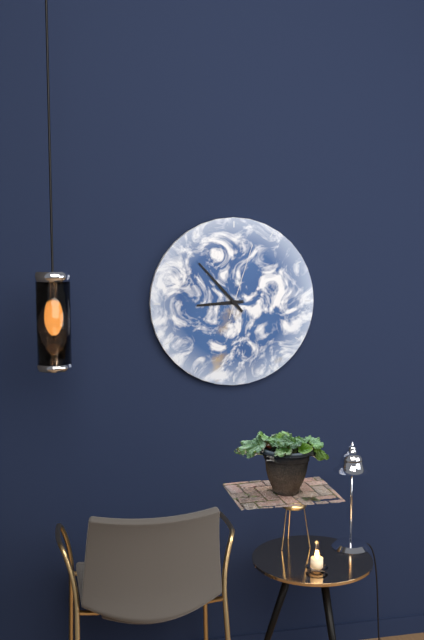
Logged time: 8 h 53 min 03 s
